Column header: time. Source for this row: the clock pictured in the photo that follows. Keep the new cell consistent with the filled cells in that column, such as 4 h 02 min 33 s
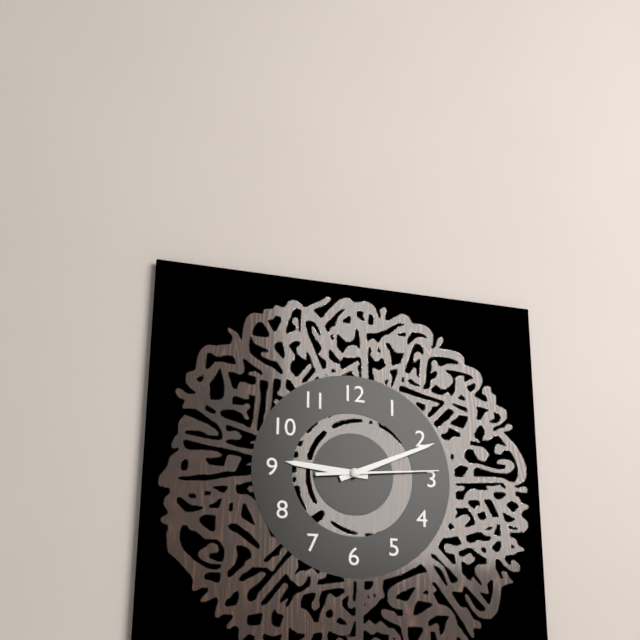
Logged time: 9 h 11 min 14 s
